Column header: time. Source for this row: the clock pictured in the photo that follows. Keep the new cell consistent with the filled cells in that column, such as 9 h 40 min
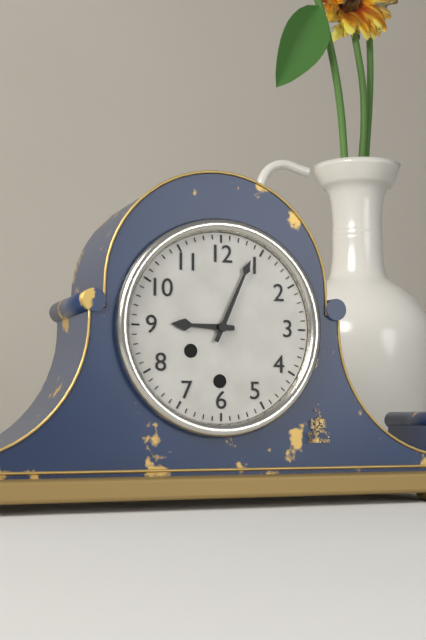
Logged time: 9 h 04 min
